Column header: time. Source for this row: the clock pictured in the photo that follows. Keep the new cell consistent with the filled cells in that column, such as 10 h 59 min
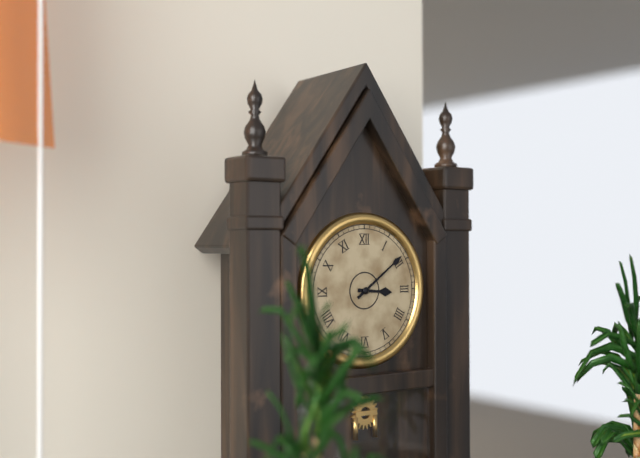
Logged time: 3 h 09 min
